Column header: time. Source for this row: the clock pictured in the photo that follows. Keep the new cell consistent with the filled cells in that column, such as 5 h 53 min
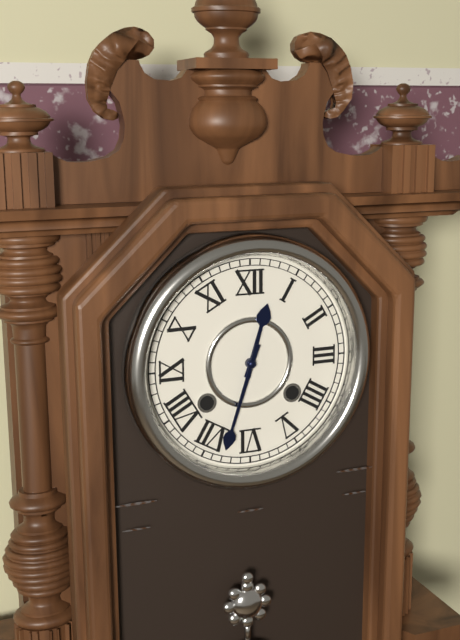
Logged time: 12 h 33 min
